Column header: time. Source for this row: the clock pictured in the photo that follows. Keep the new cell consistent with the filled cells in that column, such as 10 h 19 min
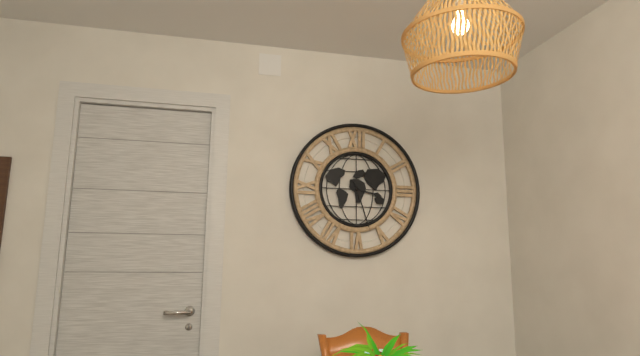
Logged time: 3 h 27 min
